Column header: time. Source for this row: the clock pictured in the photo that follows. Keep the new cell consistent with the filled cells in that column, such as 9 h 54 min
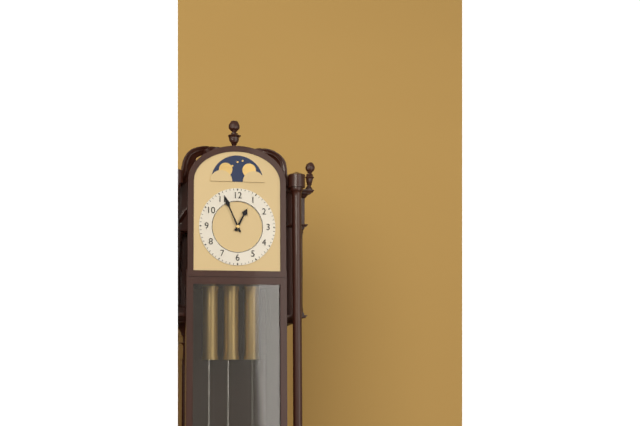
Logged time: 12 h 56 min
